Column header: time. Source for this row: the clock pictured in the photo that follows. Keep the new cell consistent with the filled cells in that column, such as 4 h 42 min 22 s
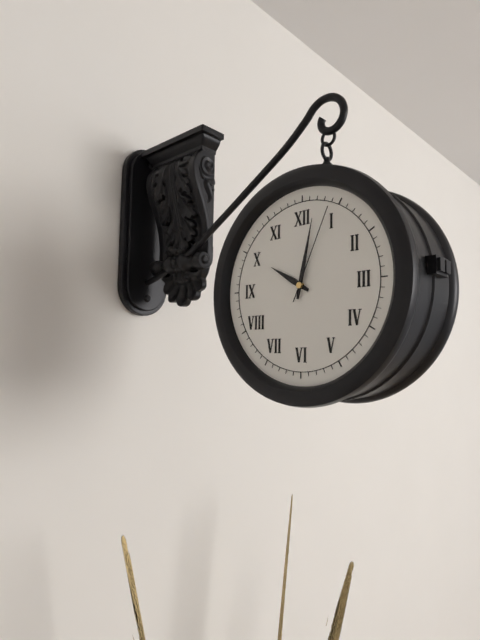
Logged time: 10 h 02 min 04 s
